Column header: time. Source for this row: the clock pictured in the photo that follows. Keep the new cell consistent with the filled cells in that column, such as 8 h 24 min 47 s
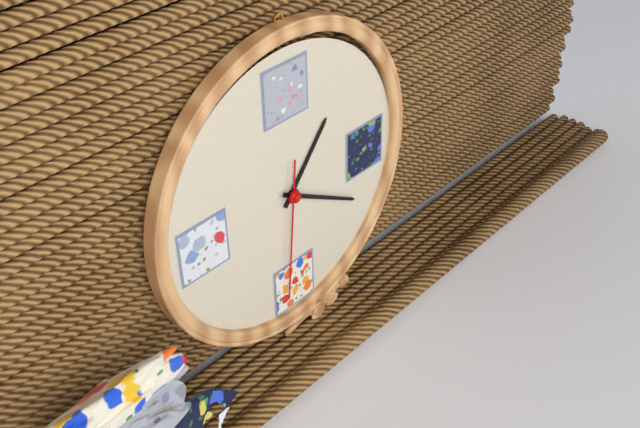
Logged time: 1 h 20 min 31 s
